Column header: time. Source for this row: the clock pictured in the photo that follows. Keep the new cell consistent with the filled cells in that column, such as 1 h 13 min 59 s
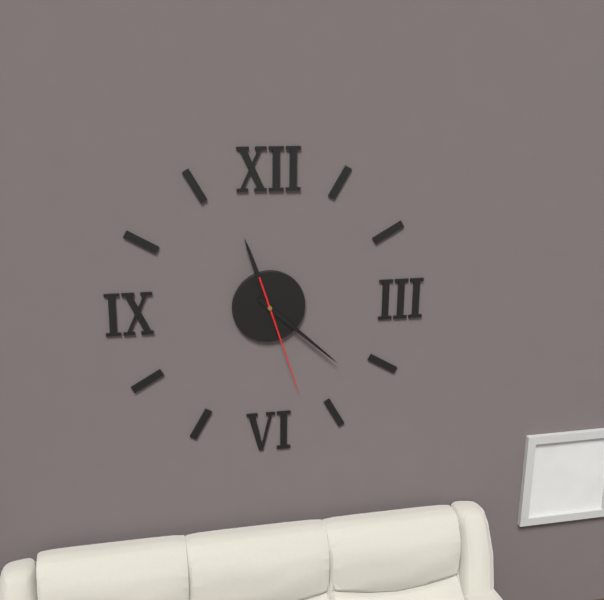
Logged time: 11 h 22 min 27 s
